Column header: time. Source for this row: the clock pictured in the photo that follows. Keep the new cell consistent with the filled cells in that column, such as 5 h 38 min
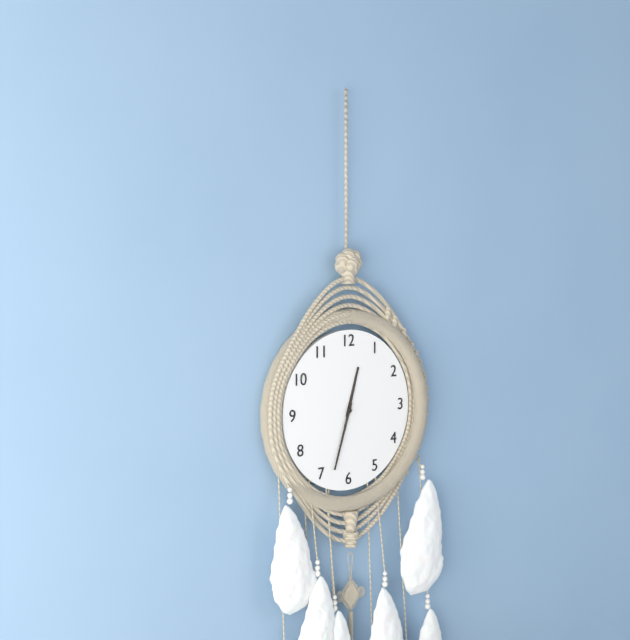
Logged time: 12 h 33 min
